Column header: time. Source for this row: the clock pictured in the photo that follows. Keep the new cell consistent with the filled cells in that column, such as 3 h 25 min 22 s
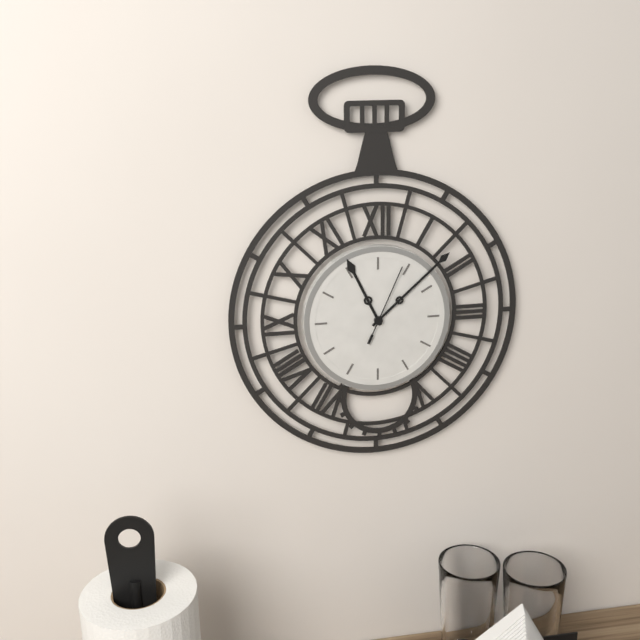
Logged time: 11 h 08 min 04 s
